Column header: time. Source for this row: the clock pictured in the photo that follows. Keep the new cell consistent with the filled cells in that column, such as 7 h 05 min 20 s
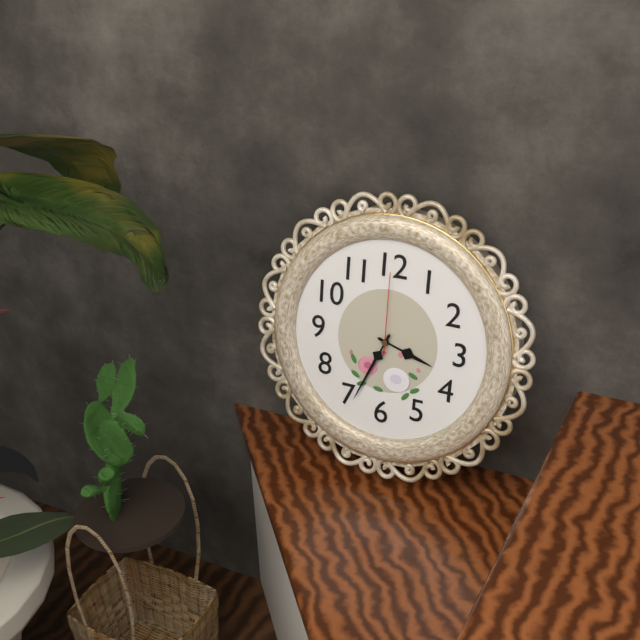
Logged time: 3 h 34 min 00 s
